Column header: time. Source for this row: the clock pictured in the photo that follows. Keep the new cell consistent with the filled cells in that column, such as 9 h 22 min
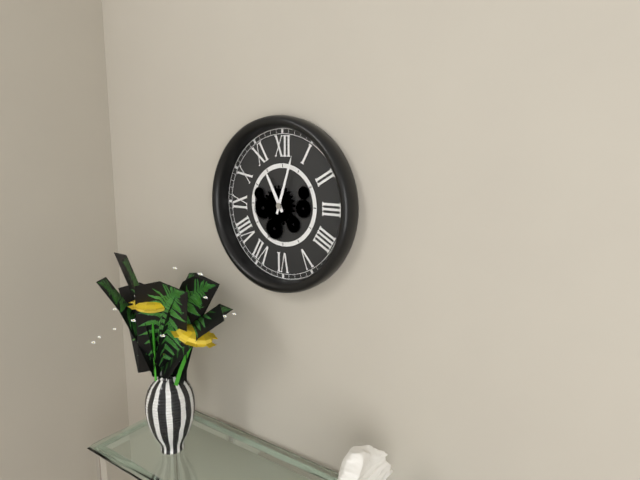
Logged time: 11 h 03 min
